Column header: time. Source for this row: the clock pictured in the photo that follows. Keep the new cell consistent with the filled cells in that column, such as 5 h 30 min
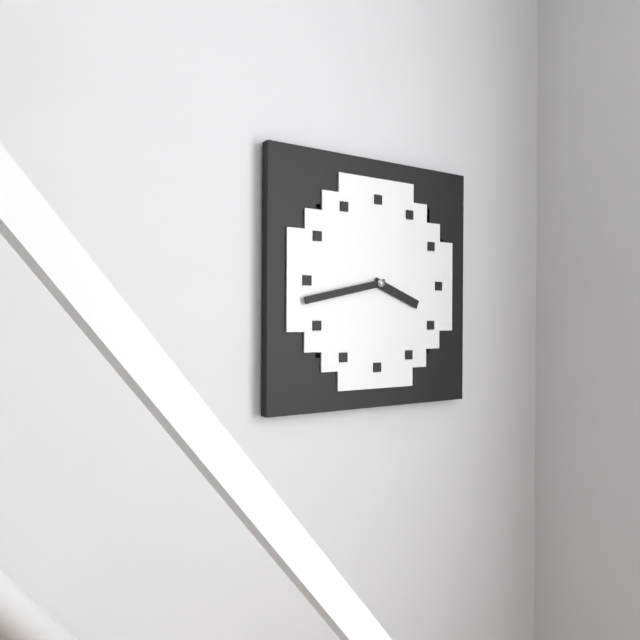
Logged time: 3 h 43 min
